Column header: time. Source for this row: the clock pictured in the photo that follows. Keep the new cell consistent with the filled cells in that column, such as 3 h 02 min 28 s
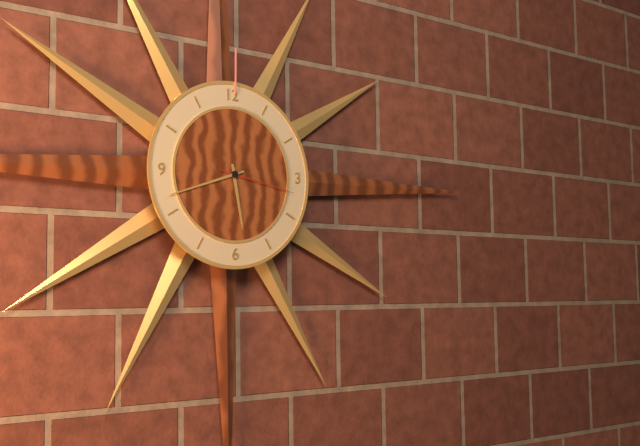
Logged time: 5 h 42 min 17 s
